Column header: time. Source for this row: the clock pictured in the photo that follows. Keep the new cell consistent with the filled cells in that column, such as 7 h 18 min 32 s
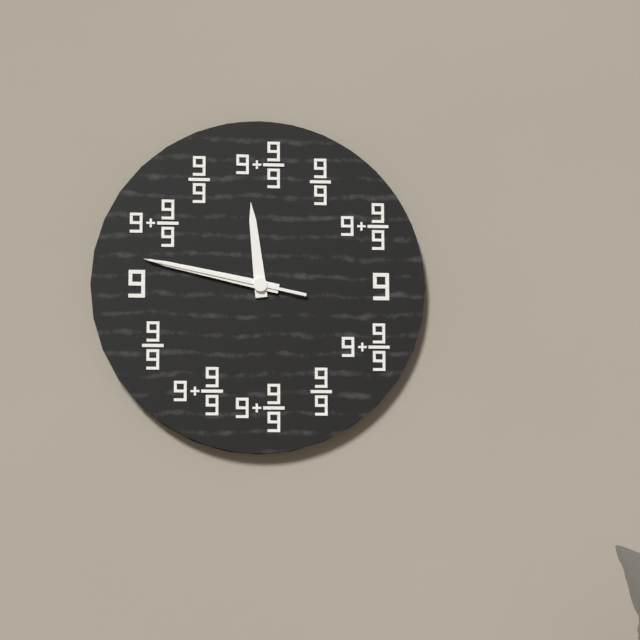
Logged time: 11 h 47 min 47 s
